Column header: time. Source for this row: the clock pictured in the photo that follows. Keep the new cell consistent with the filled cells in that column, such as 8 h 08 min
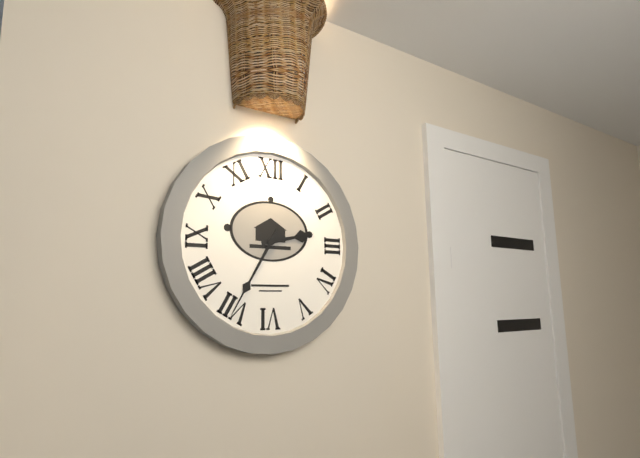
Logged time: 2 h 35 min
